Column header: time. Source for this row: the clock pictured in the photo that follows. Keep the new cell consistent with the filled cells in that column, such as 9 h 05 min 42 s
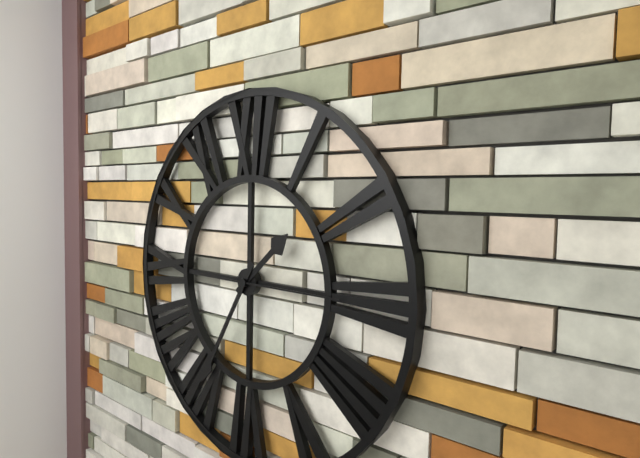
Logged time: 1 h 35 min 15 s
